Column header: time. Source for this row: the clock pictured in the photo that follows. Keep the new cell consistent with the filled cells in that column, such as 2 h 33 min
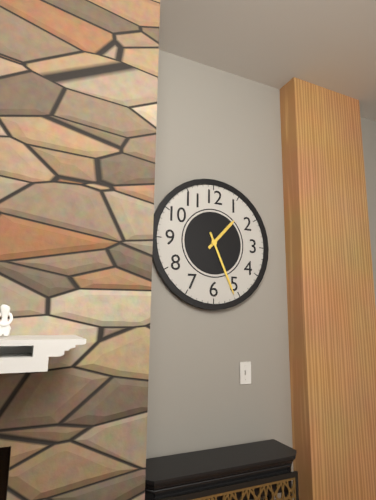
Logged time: 1 h 26 min
